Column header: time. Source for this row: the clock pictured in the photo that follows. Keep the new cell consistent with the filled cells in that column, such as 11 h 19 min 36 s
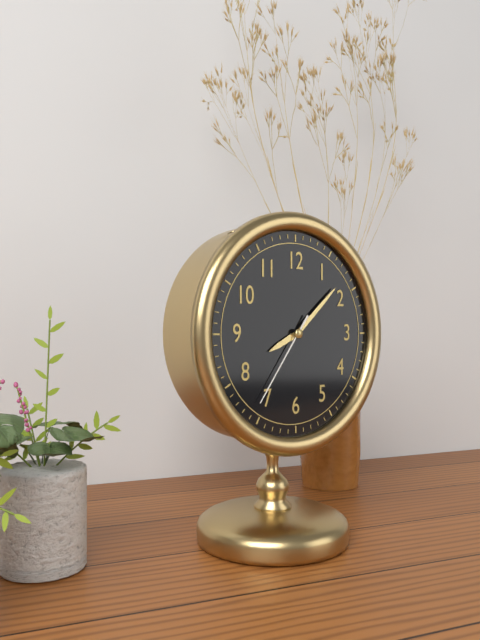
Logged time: 8 h 08 min 36 s
